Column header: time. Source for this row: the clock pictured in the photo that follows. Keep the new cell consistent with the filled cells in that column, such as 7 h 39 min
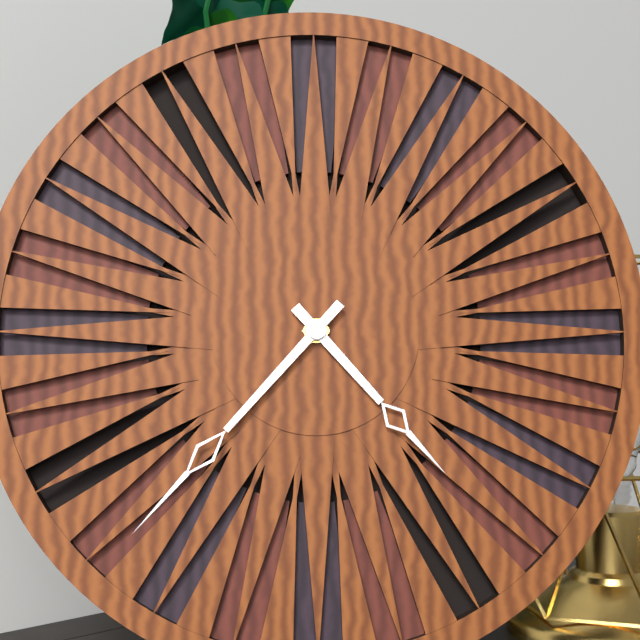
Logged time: 4 h 37 min
